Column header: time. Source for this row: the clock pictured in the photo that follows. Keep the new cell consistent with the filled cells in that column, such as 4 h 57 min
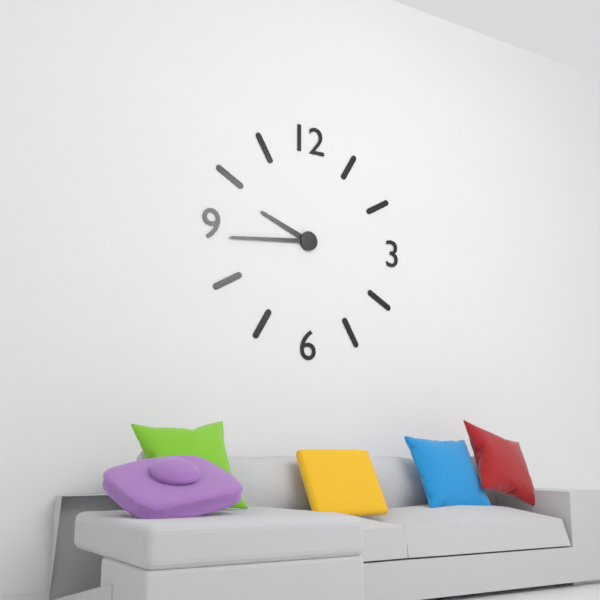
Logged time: 9 h 44 min
